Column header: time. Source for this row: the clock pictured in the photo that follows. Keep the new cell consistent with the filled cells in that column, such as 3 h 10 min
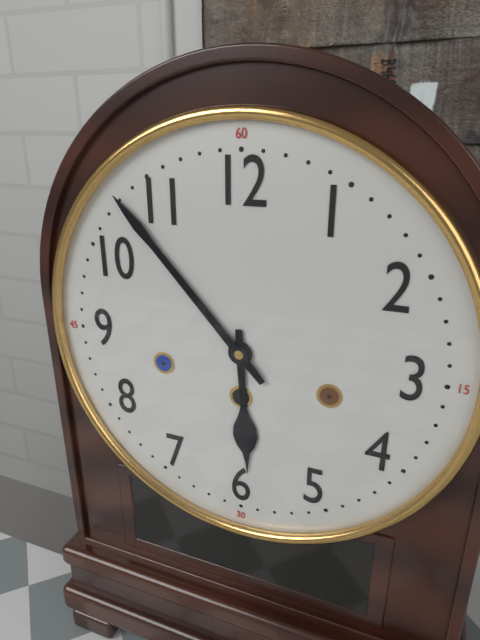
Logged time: 5 h 53 min
